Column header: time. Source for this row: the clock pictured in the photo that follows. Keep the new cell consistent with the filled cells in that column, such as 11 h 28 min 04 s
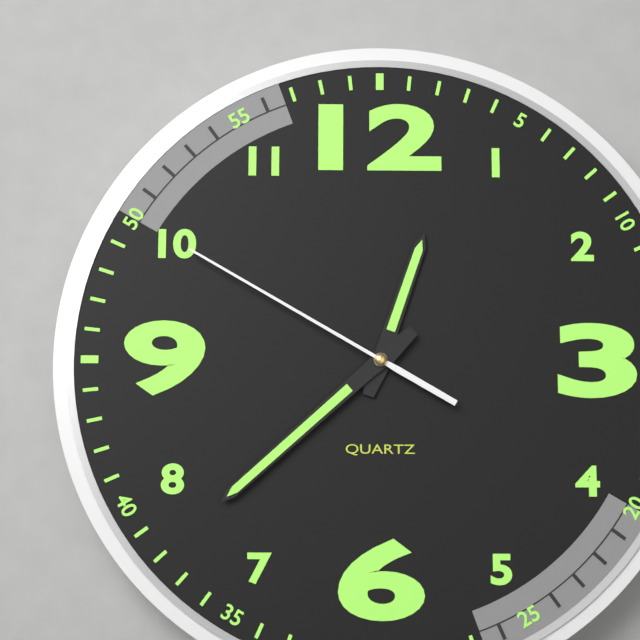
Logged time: 12 h 38 min 50 s
